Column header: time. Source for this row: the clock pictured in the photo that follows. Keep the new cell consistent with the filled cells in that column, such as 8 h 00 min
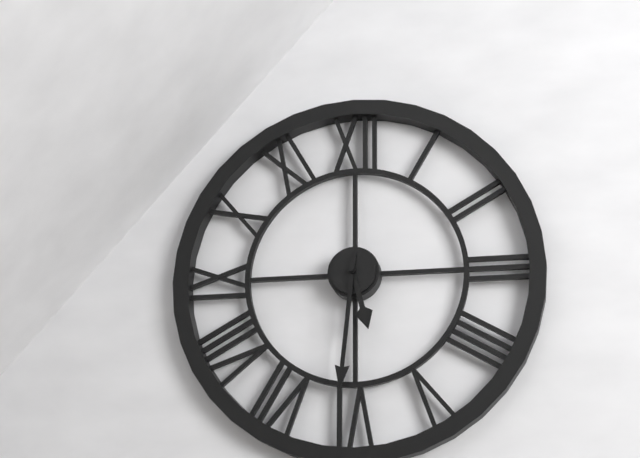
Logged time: 5 h 31 min
